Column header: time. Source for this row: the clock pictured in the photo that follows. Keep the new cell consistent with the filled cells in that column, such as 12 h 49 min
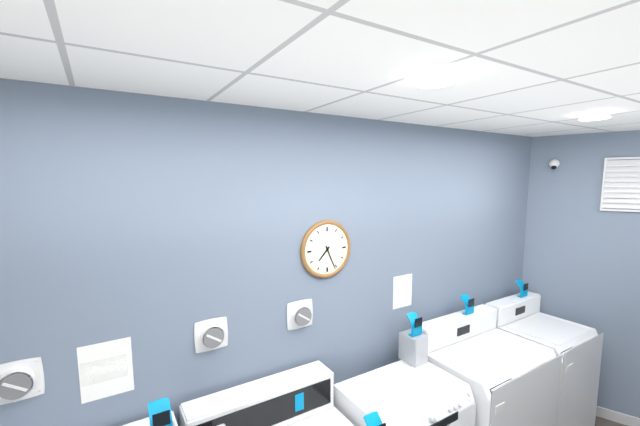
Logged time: 7 h 26 min
